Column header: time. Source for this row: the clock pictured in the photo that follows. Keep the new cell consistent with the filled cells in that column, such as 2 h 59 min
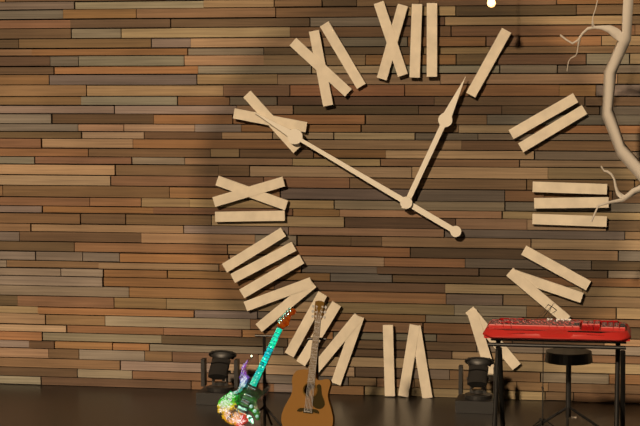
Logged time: 12 h 50 min
